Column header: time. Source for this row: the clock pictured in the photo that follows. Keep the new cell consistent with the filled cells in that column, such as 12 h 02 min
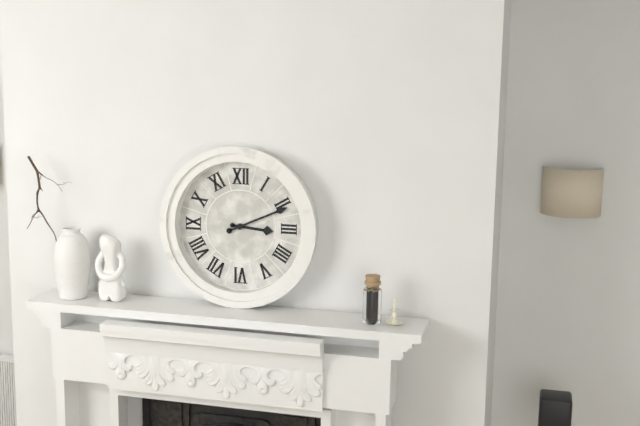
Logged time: 3 h 11 min
